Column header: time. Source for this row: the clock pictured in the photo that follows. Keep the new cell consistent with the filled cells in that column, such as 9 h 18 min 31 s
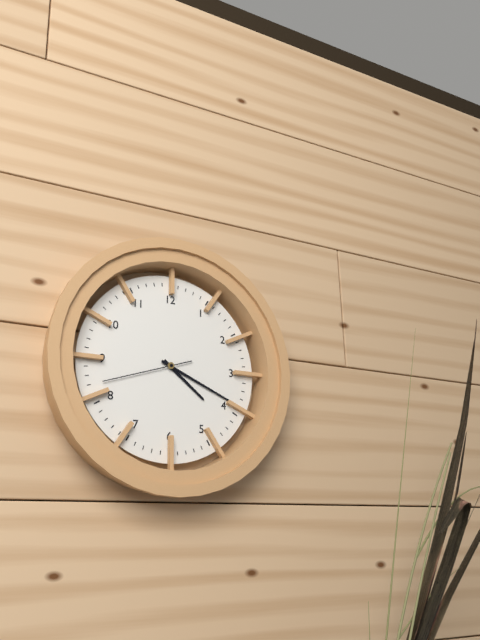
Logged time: 4 h 19 min 42 s
